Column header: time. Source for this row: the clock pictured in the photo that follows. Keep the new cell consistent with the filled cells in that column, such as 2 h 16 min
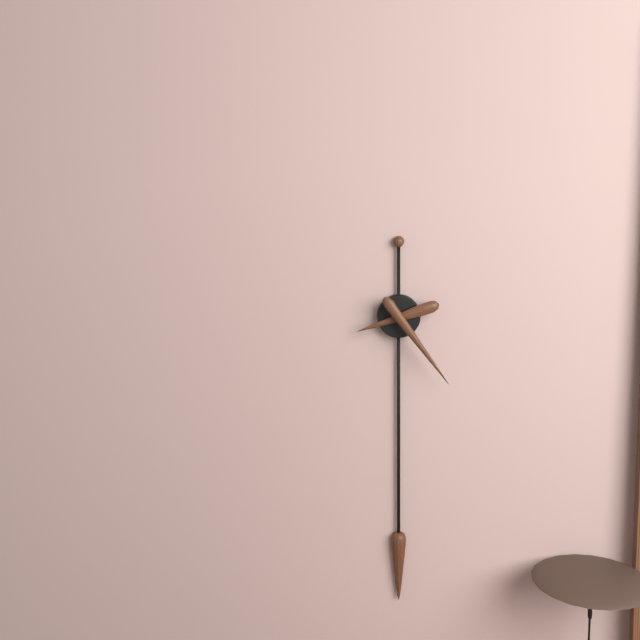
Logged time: 8 h 24 min
